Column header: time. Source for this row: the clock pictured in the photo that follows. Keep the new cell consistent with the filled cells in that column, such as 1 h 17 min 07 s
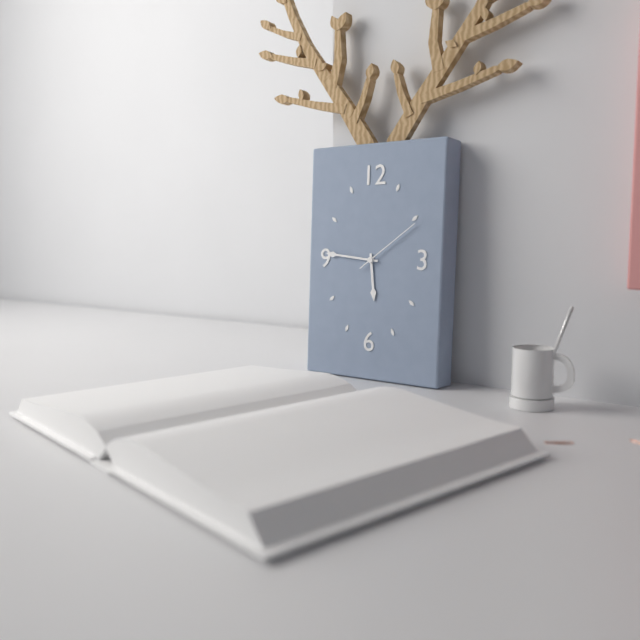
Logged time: 5 h 46 min 09 s
